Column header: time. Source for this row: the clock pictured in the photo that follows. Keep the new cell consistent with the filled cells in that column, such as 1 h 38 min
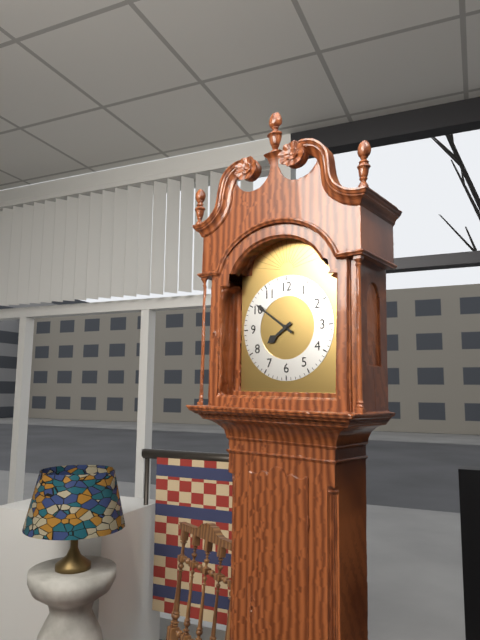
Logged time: 7 h 51 min
